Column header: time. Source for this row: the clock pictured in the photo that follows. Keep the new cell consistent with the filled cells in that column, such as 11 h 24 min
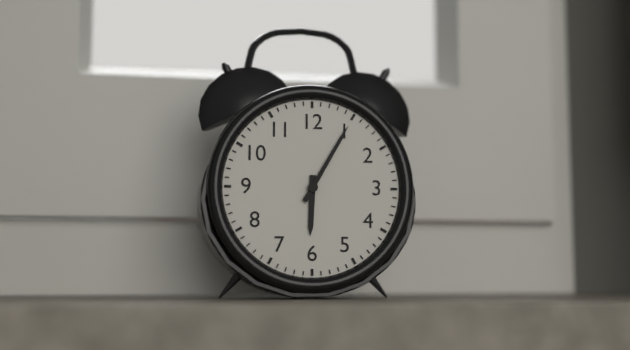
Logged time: 6 h 05 min
